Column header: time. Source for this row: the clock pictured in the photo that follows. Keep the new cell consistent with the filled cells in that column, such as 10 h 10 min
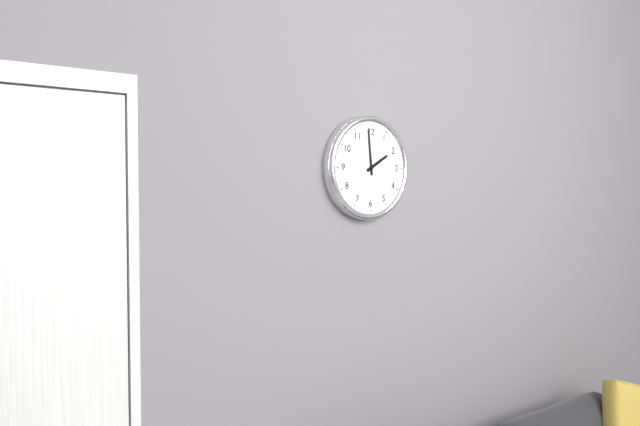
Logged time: 1 h 59 min
